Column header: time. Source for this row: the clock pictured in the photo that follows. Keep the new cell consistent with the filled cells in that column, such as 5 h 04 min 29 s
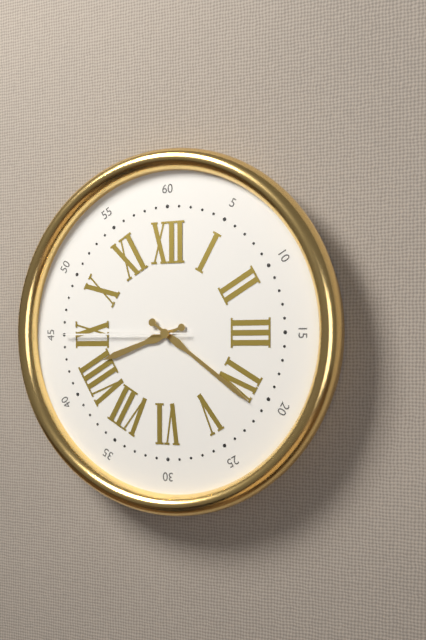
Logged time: 8 h 21 min 45 s
